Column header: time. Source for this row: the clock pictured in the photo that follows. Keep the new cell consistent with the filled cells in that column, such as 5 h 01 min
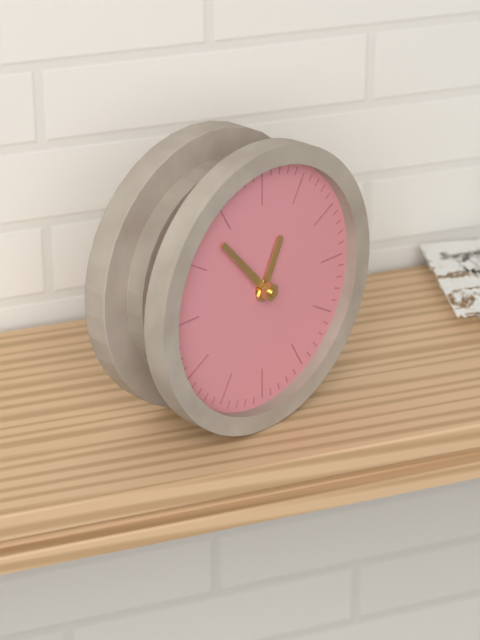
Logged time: 12 h 53 min
